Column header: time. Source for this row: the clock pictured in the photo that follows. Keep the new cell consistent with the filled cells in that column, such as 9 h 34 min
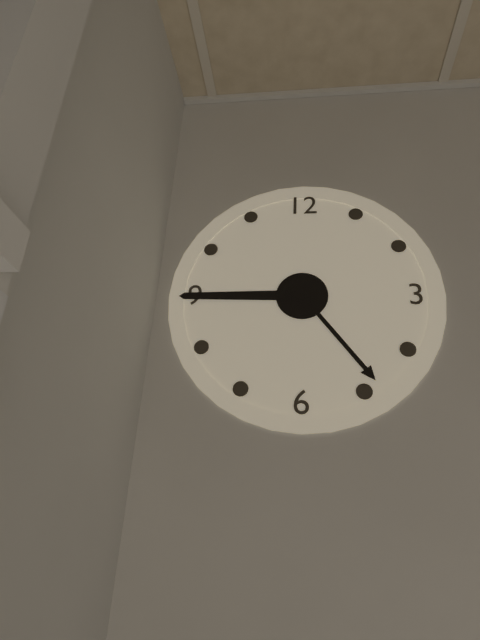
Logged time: 4 h 45 min
